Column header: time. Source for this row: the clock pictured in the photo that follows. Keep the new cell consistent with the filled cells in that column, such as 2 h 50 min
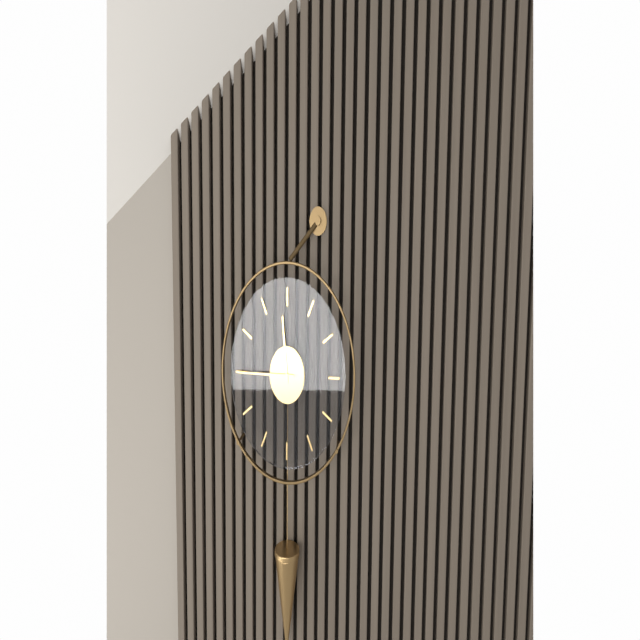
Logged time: 11 h 45 min
